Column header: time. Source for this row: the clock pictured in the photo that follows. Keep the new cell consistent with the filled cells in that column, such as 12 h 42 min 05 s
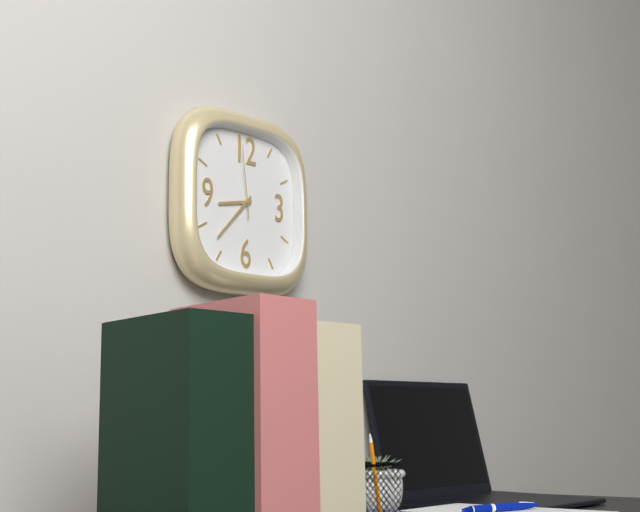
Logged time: 8 h 37 min 59 s
